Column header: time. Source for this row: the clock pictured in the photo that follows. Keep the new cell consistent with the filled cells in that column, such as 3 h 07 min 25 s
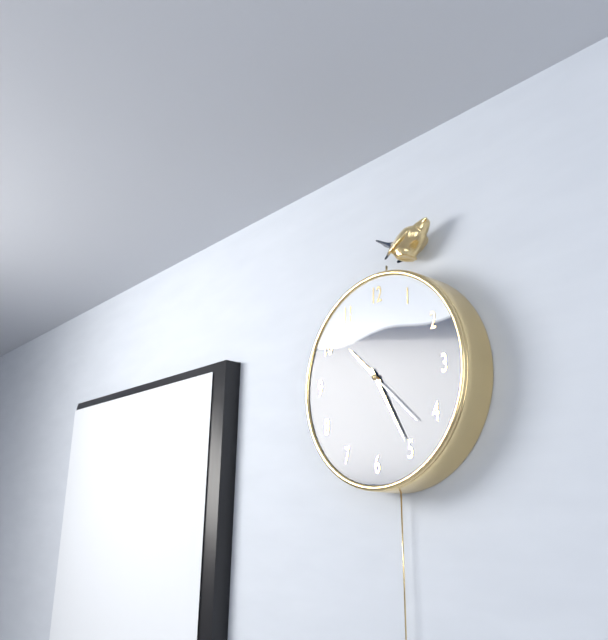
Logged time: 10 h 25 min 22 s
